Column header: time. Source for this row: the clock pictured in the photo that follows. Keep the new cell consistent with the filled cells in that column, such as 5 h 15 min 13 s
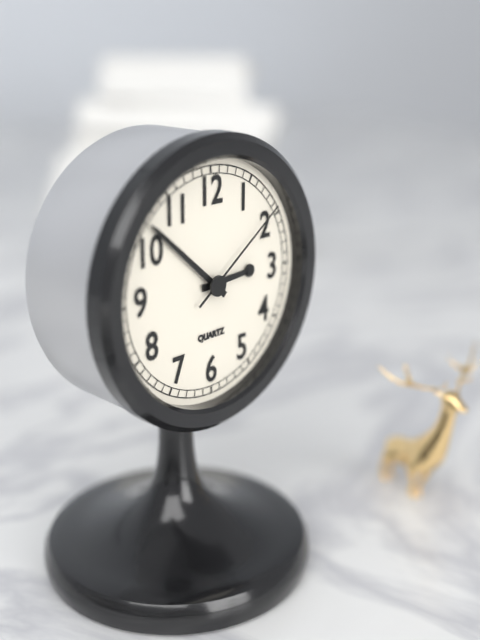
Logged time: 2 h 52 min 09 s
